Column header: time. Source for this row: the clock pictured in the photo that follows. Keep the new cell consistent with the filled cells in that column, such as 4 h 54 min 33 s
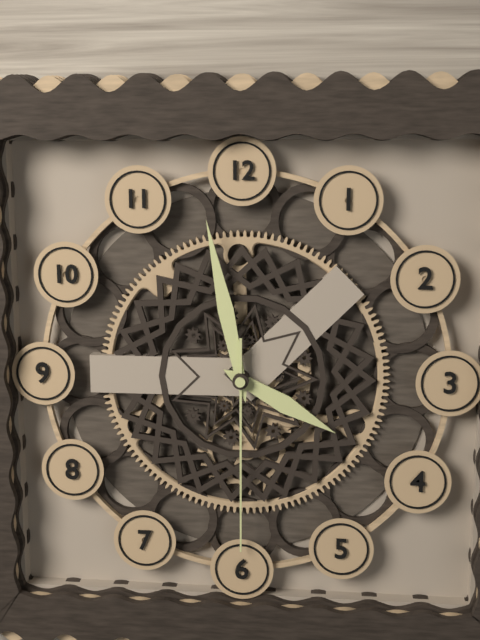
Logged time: 3 h 58 min 30 s
